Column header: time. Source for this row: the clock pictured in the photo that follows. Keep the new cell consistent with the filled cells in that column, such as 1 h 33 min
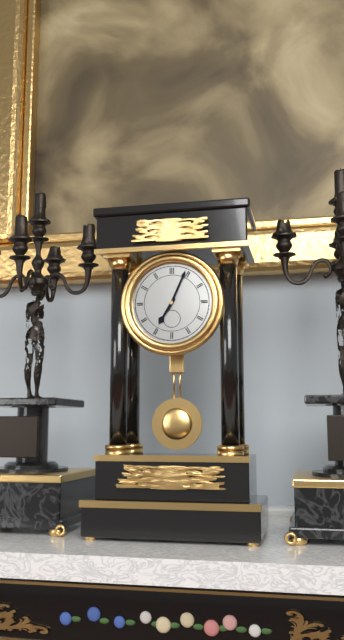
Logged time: 7 h 04 min
